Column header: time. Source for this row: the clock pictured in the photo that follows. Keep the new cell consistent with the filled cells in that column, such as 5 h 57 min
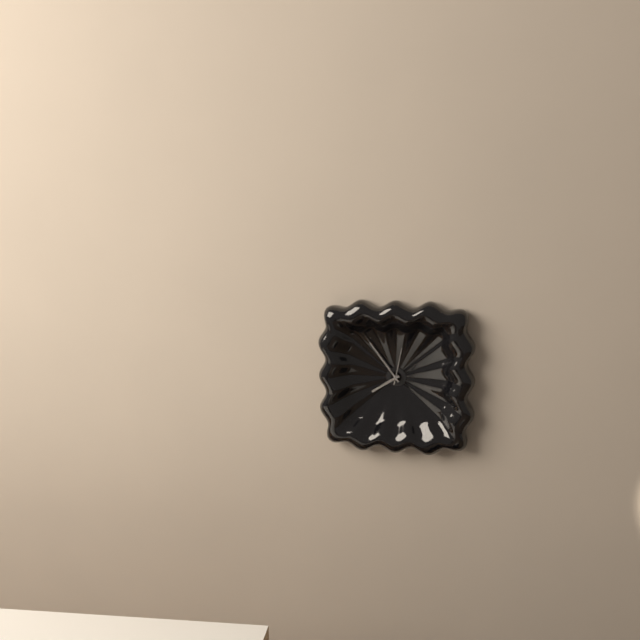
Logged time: 7 h 54 min
